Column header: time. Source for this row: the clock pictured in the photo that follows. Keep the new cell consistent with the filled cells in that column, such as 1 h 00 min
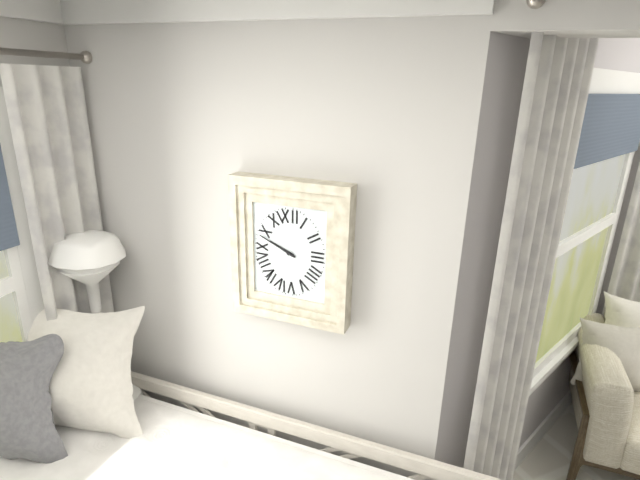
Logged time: 9 h 49 min
